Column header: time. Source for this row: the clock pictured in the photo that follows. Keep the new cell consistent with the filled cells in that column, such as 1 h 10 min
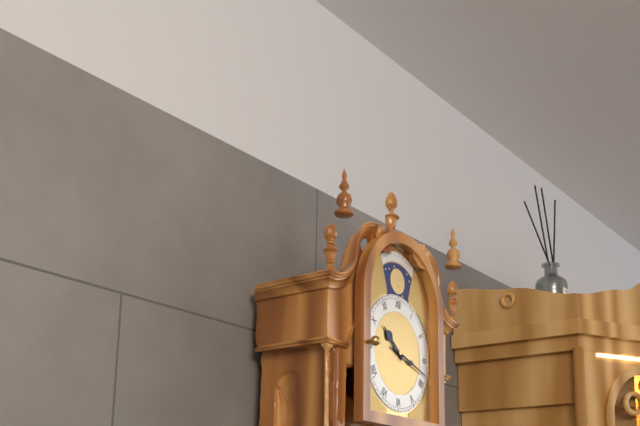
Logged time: 10 h 18 min
